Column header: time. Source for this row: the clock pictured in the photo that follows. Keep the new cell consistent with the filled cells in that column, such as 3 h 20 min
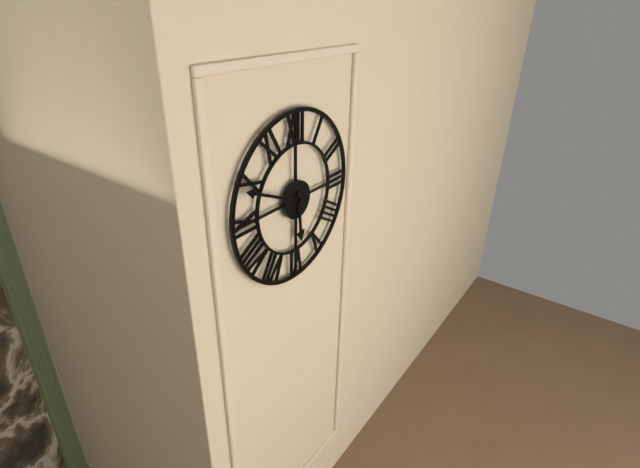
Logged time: 5 h 49 min
